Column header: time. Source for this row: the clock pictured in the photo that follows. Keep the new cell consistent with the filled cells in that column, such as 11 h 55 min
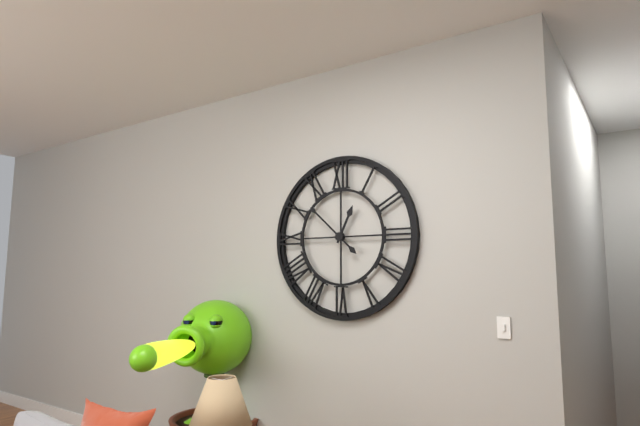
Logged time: 12 h 52 min
